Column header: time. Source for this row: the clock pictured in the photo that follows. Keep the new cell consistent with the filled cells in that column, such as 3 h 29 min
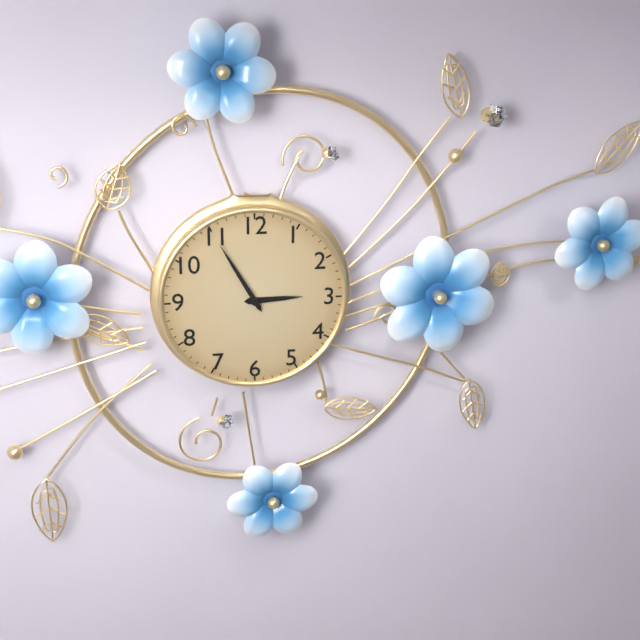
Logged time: 2 h 55 min
